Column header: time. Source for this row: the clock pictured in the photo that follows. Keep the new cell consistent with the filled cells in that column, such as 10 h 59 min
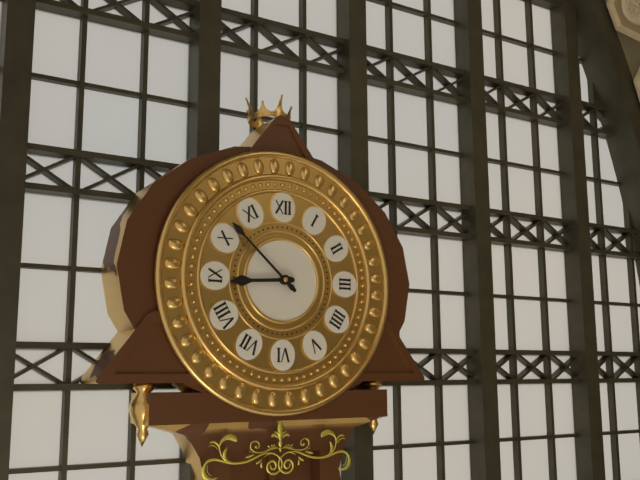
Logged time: 8 h 52 min
